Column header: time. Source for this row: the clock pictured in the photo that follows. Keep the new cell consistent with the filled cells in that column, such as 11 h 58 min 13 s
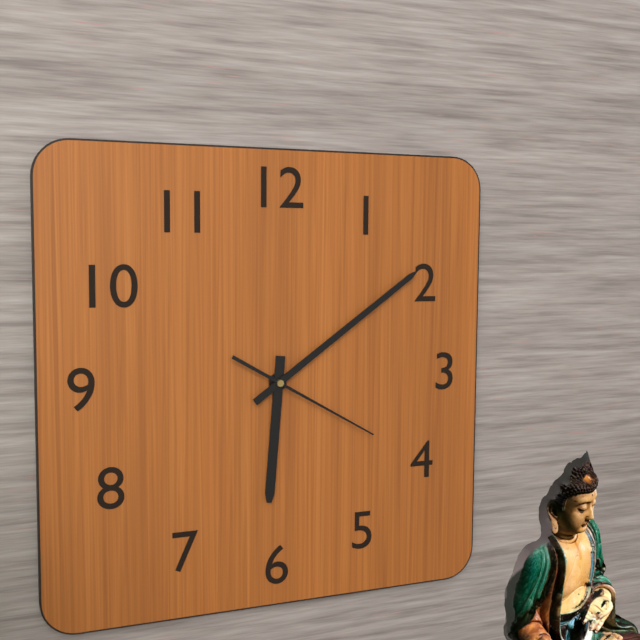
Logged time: 6 h 09 min 20 s
